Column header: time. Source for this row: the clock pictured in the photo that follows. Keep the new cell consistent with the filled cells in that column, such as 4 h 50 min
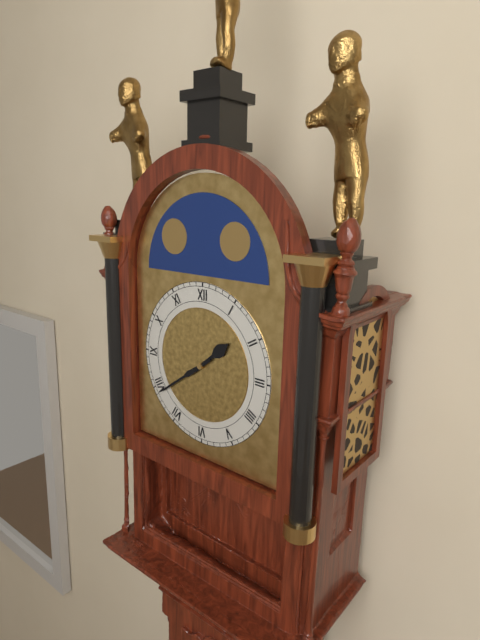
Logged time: 1 h 39 min
